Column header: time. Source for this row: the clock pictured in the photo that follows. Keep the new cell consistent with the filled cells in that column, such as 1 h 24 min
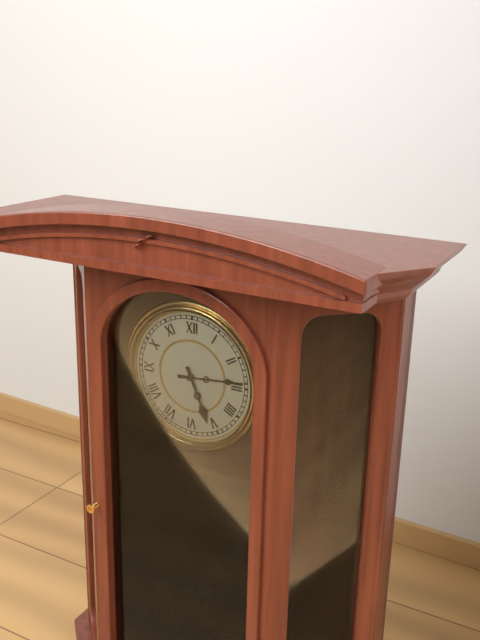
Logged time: 5 h 14 min
